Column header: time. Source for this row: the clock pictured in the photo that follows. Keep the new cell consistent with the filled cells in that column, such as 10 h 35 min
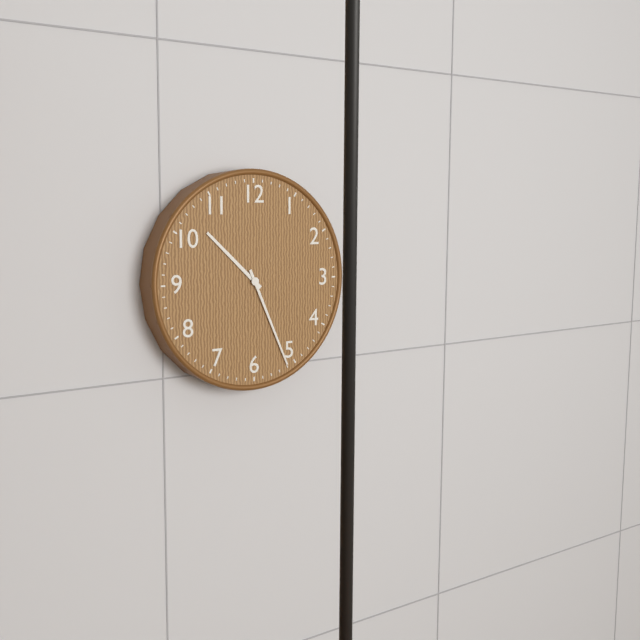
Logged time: 10 h 26 min
